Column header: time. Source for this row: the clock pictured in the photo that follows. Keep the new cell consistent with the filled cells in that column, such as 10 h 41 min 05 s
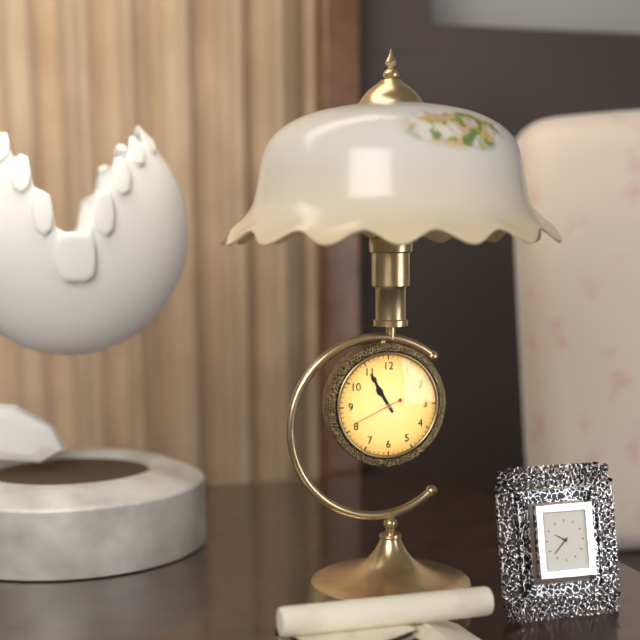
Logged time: 10 h 55 min 41 s
